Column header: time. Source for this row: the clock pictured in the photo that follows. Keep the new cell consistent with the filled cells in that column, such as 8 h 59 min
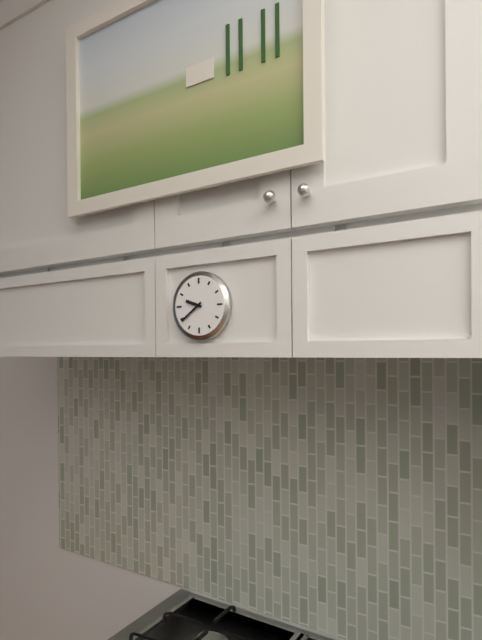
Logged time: 9 h 39 min
